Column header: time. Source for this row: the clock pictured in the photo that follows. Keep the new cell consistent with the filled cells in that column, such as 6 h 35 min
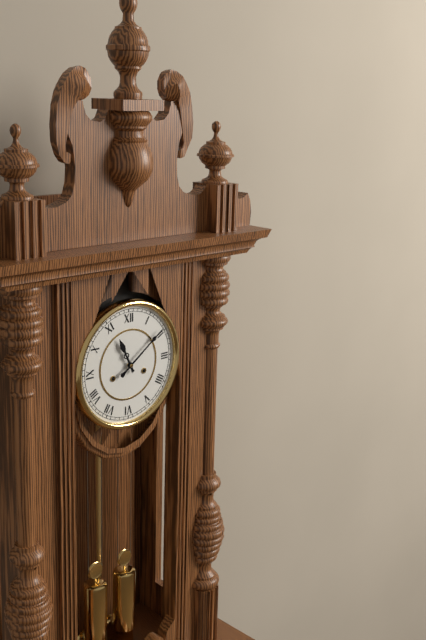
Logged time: 11 h 09 min
